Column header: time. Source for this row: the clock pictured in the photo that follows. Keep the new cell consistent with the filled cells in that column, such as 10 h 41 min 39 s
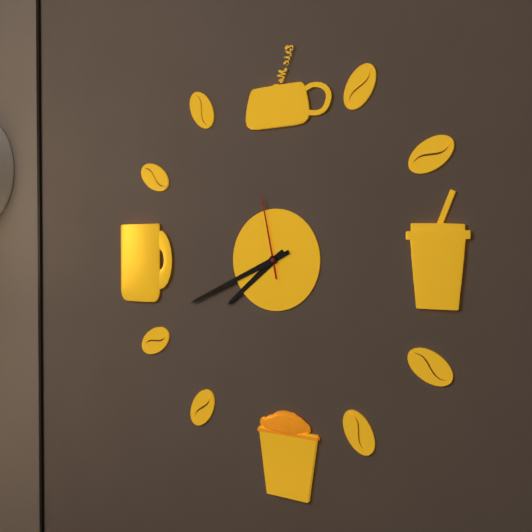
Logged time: 7 h 41 min 58 s
